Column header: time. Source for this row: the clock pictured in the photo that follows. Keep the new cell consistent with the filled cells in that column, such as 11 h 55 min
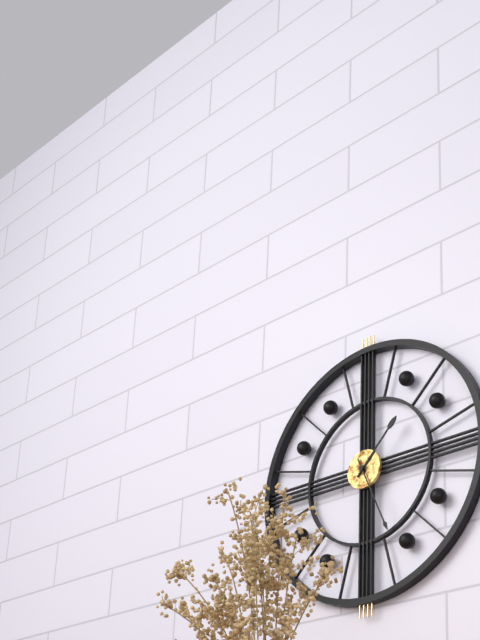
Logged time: 1 h 26 min
